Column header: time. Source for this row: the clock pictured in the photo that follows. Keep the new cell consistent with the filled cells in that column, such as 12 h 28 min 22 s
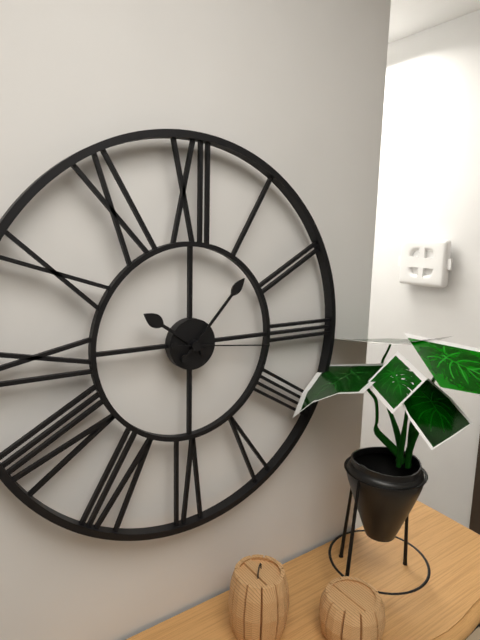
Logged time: 10 h 07 min 16 s
